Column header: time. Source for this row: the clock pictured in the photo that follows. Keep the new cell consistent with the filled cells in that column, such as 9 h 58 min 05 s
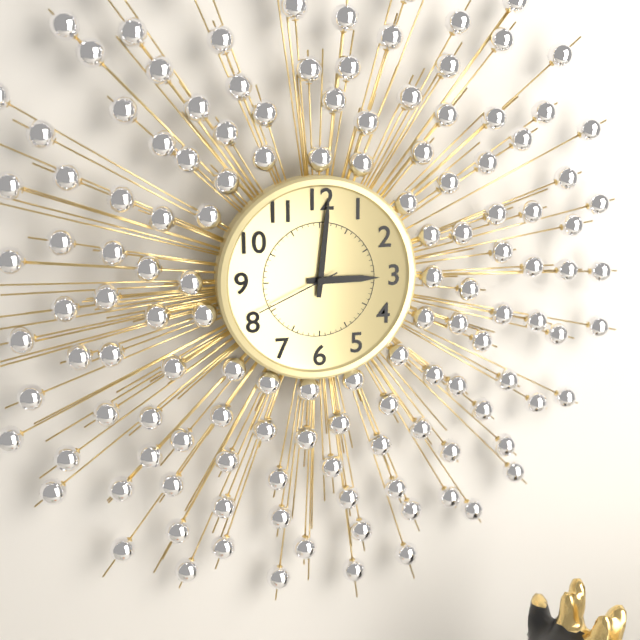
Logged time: 3 h 01 min 41 s
